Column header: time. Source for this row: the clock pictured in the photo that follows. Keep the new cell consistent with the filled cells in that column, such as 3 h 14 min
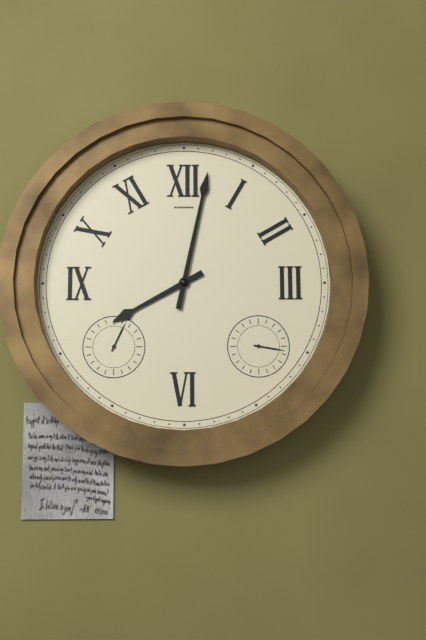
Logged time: 8 h 02 min
